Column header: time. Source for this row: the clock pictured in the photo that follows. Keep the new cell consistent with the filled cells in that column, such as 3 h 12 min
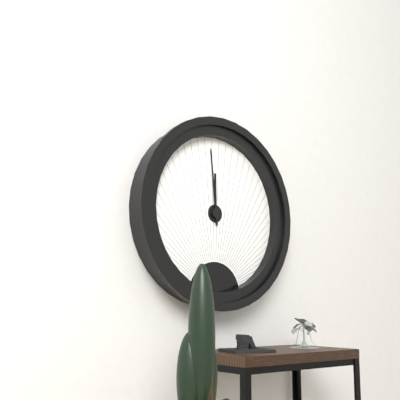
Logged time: 11 h 59 min
